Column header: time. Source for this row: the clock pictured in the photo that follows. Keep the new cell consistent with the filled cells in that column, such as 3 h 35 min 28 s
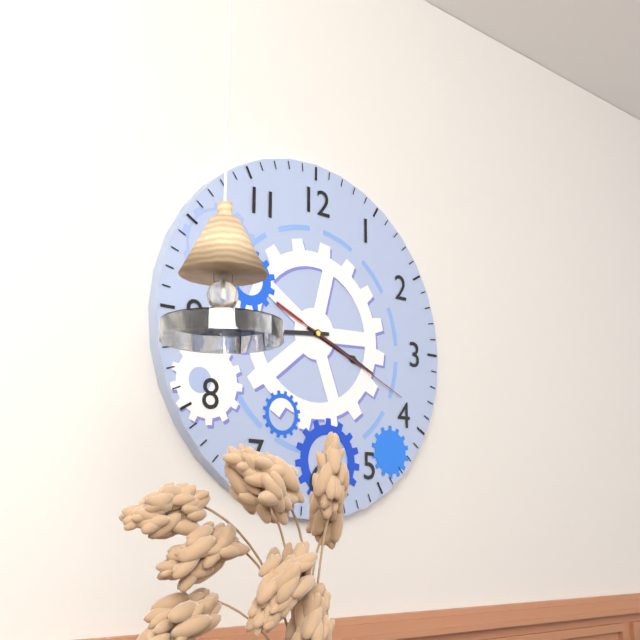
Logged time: 3 h 44 min 19 s
